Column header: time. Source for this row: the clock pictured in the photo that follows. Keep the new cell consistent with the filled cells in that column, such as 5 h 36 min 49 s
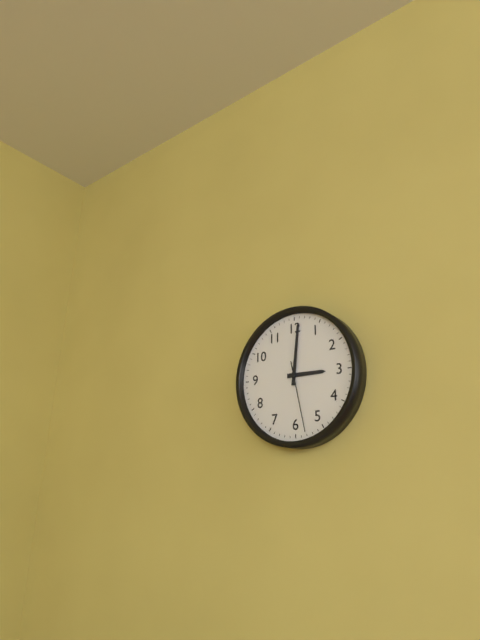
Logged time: 3 h 01 min 28 s
